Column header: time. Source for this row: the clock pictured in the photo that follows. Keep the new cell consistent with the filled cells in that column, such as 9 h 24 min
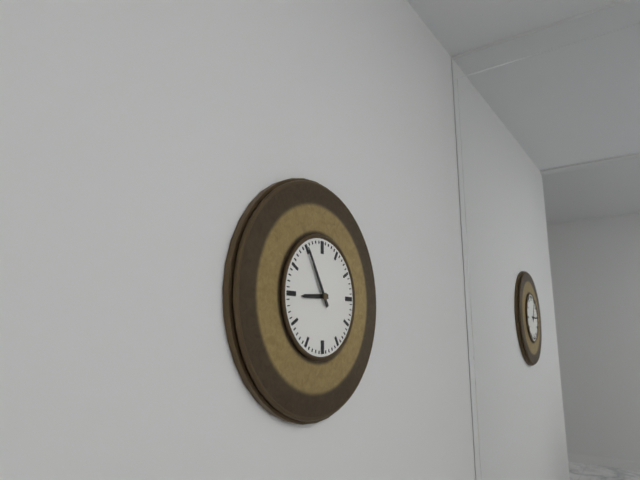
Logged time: 8 h 55 min
